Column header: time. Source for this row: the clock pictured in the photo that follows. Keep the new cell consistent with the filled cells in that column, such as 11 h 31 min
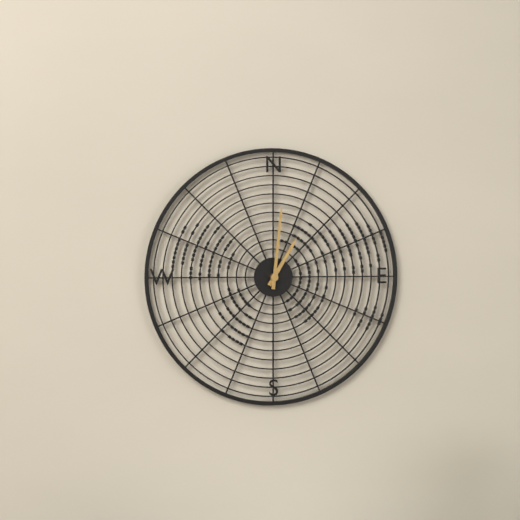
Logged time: 1 h 01 min
